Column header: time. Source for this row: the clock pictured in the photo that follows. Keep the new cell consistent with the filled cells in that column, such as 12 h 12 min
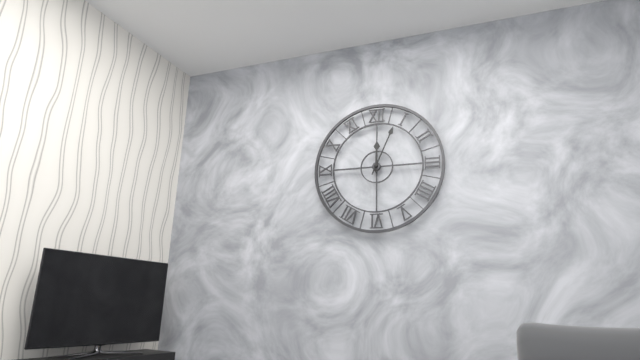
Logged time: 12 h 04 min
